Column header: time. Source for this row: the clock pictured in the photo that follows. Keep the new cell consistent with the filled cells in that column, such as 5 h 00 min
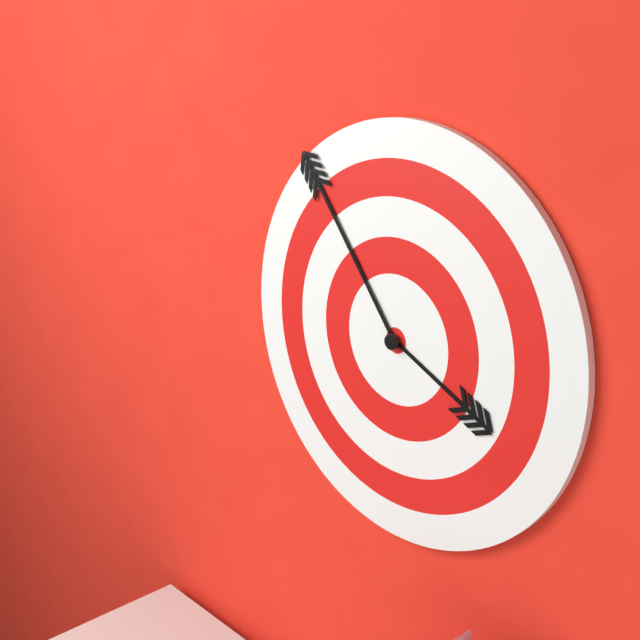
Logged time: 3 h 54 min
